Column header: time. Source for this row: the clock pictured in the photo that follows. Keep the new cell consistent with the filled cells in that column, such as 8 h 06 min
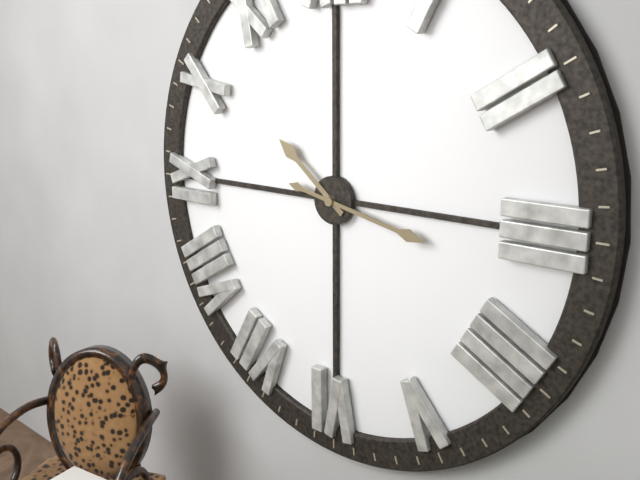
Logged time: 10 h 17 min
